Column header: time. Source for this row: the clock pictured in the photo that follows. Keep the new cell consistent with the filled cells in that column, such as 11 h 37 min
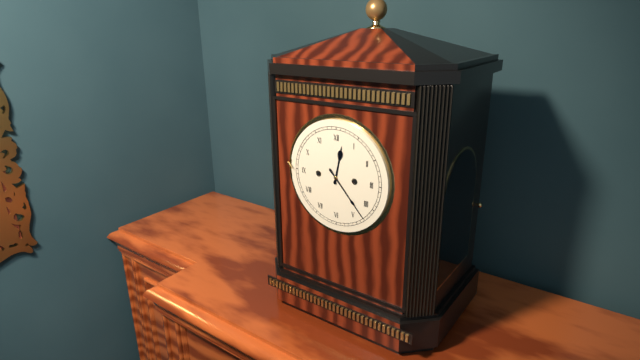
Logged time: 12 h 23 min
